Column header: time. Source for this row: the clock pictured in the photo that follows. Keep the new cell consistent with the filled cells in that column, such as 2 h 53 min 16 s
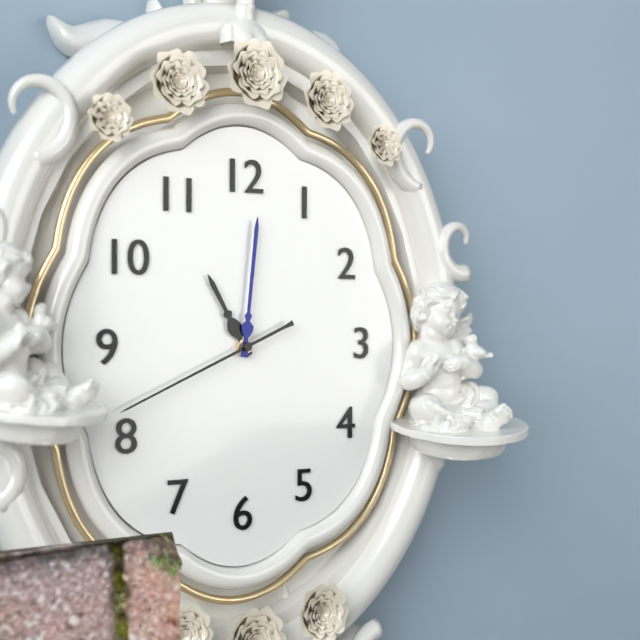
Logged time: 11 h 01 min 41 s
